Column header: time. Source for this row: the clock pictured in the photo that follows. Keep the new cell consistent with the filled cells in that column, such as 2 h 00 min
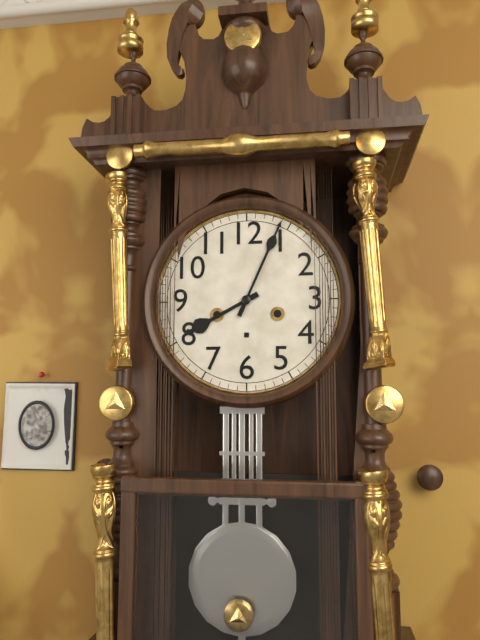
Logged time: 8 h 04 min
